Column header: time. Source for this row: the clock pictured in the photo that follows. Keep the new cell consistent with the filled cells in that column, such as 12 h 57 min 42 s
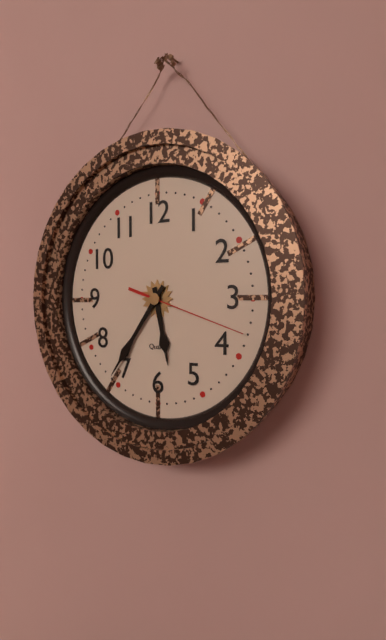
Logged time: 5 h 36 min 18 s
